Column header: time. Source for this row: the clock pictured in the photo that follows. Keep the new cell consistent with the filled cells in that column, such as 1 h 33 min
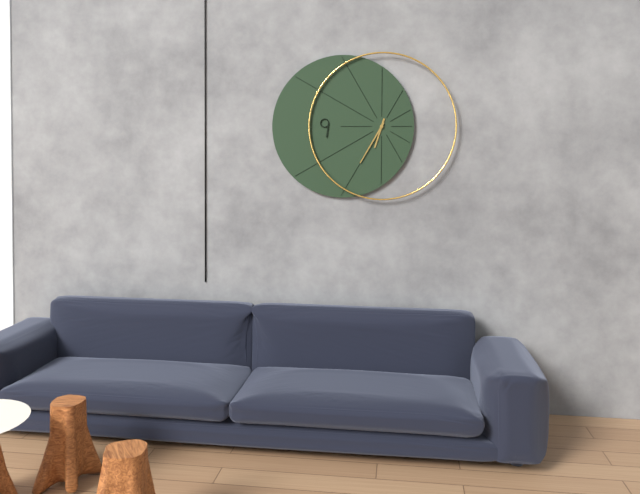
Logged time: 6 h 35 min
